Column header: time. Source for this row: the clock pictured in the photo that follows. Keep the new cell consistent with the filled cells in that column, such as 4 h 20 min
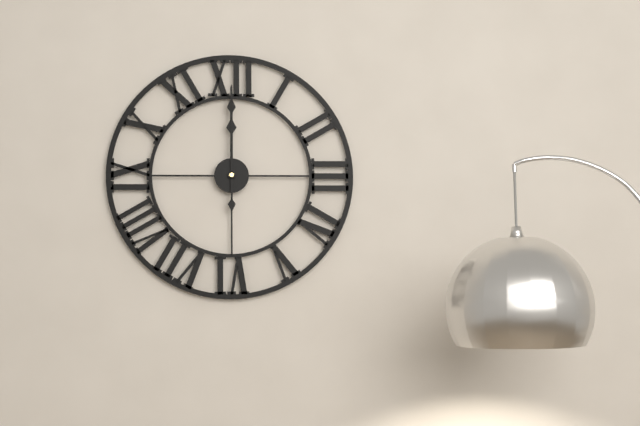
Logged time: 12 h 00 min
